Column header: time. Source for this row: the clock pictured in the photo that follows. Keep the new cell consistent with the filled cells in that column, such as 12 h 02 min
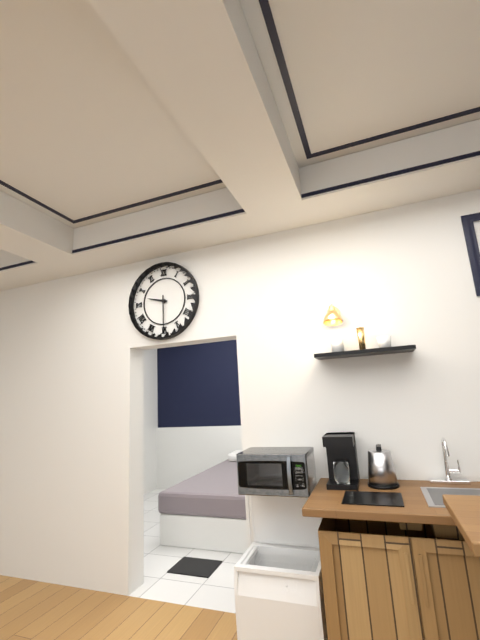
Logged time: 9 h 30 min
